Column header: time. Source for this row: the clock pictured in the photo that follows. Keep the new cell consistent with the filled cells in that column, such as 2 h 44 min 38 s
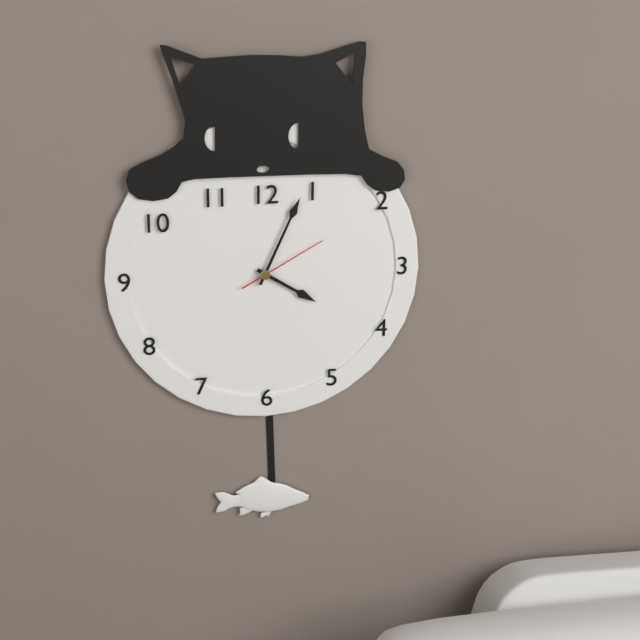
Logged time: 4 h 04 min 10 s
